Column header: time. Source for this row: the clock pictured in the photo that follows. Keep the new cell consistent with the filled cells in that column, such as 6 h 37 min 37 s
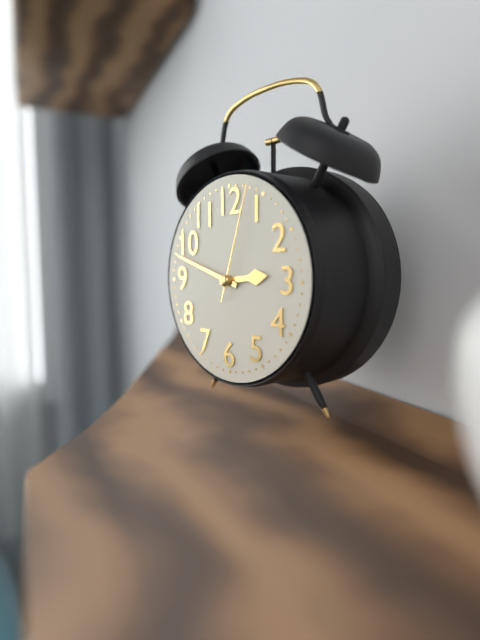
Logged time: 2 h 48 min 03 s
